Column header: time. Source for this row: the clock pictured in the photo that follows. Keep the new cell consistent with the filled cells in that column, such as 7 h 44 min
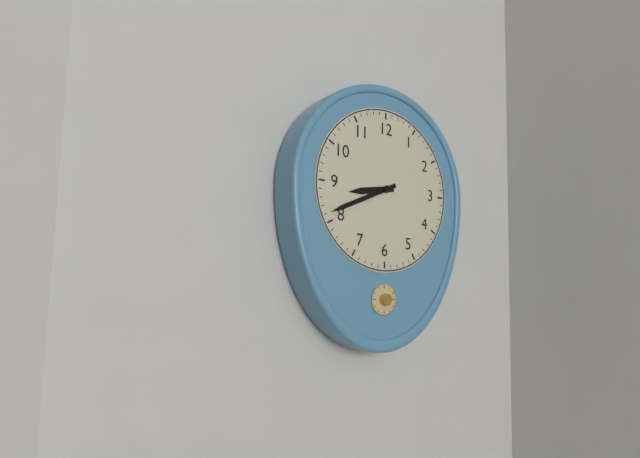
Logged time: 8 h 41 min
